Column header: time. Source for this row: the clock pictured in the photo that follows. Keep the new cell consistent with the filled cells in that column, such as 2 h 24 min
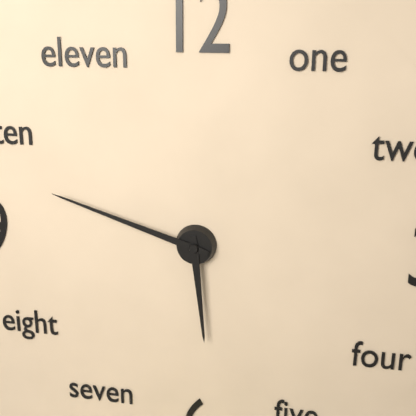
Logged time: 5 h 48 min
